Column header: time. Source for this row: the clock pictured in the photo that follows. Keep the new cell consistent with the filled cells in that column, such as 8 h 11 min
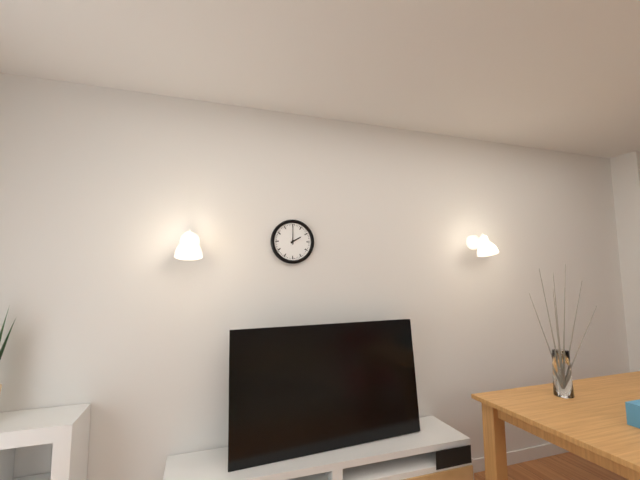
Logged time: 2 h 00 min
